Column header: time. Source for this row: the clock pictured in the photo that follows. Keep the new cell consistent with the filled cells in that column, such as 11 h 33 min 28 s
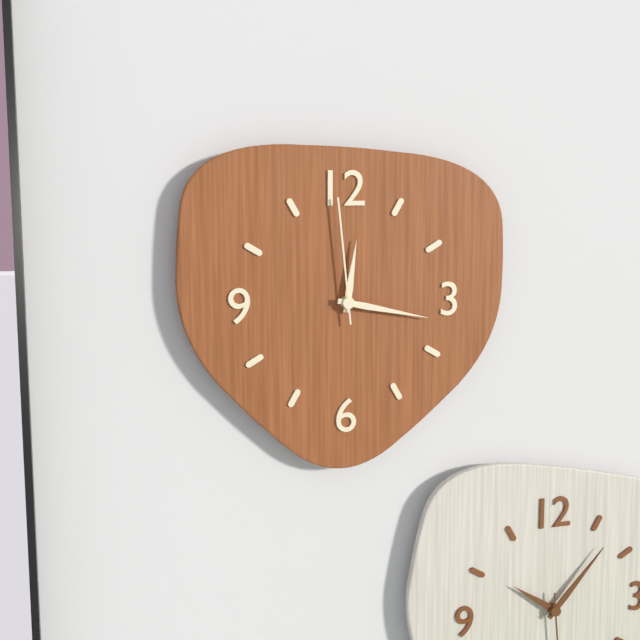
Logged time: 12 h 17 min 59 s
